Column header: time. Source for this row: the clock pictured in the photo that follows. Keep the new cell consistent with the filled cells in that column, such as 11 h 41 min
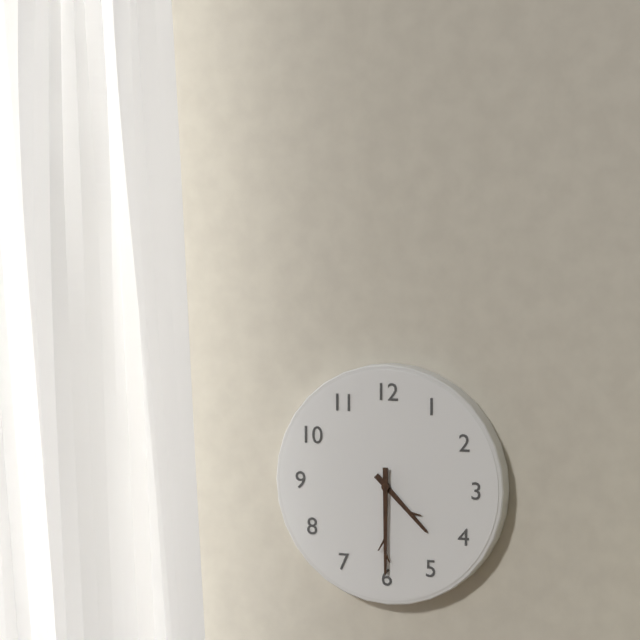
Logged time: 4 h 30 min
